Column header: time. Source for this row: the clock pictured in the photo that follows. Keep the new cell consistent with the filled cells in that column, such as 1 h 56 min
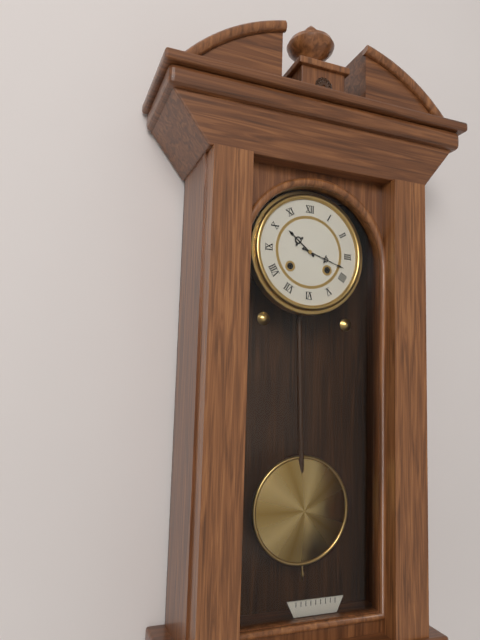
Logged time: 10 h 18 min
